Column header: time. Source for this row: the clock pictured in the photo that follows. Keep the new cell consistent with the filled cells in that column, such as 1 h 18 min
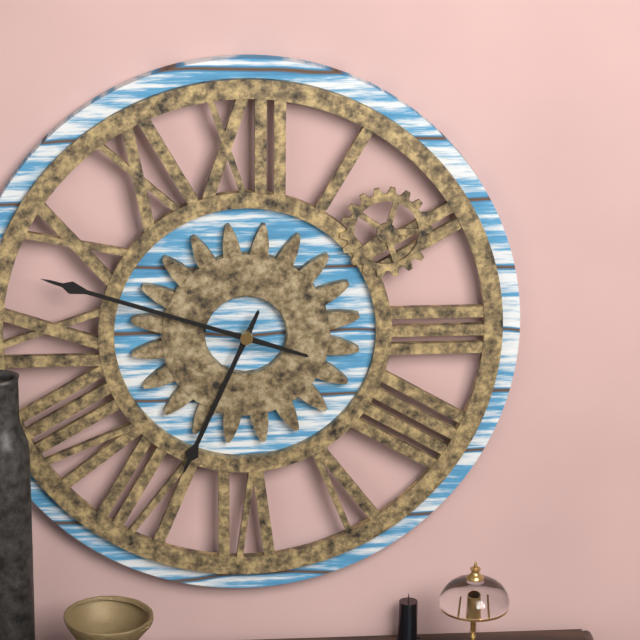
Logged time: 6 h 48 min
